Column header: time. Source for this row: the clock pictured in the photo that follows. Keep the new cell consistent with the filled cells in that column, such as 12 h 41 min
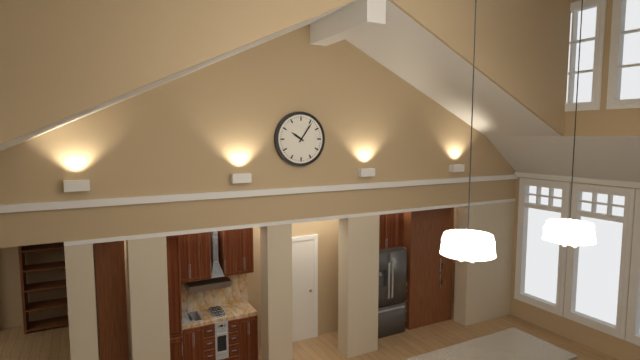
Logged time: 10 h 06 min
